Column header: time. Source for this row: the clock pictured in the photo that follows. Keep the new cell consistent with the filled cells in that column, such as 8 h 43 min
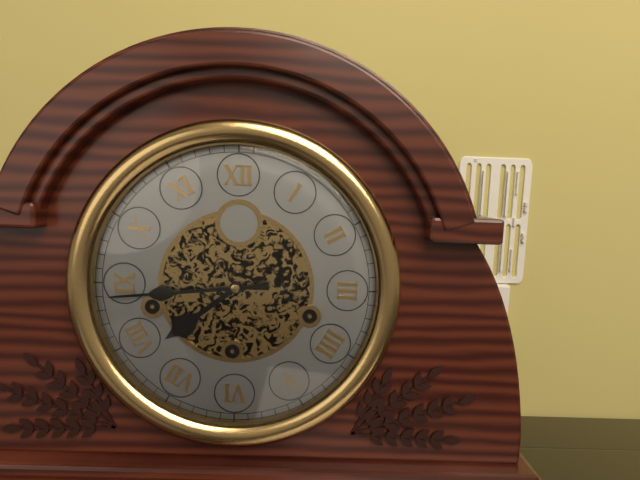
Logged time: 7 h 44 min
